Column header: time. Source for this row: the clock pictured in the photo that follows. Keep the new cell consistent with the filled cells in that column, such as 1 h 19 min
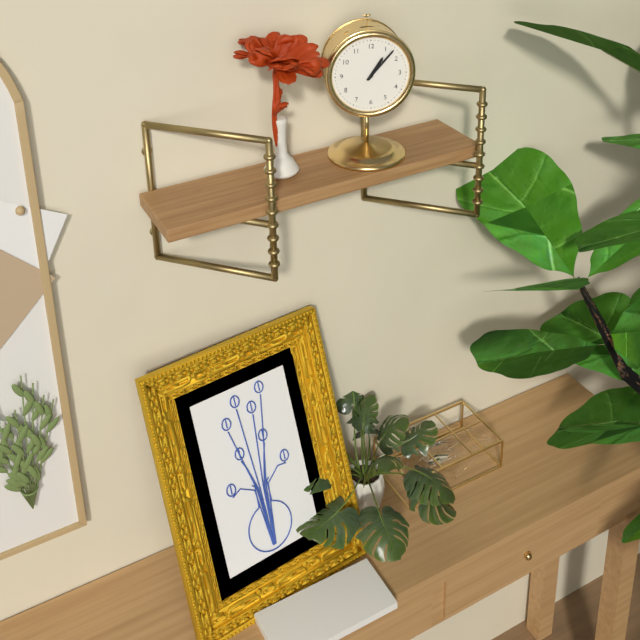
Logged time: 1 h 07 min
